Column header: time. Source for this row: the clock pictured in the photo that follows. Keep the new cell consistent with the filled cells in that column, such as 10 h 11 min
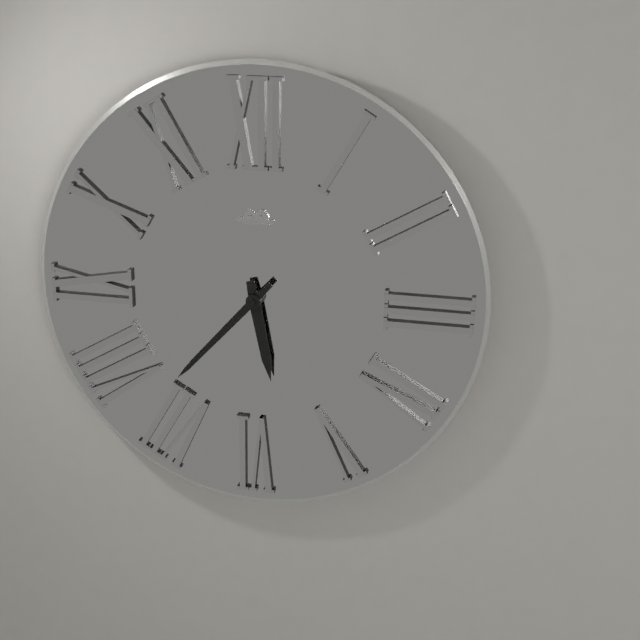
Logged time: 5 h 37 min
